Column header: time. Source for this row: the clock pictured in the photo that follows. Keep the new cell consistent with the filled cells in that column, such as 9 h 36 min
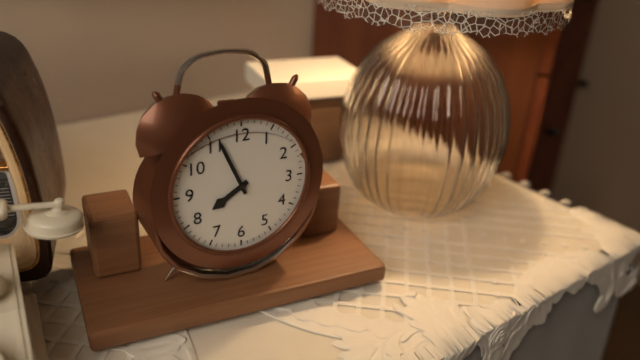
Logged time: 7 h 56 min
